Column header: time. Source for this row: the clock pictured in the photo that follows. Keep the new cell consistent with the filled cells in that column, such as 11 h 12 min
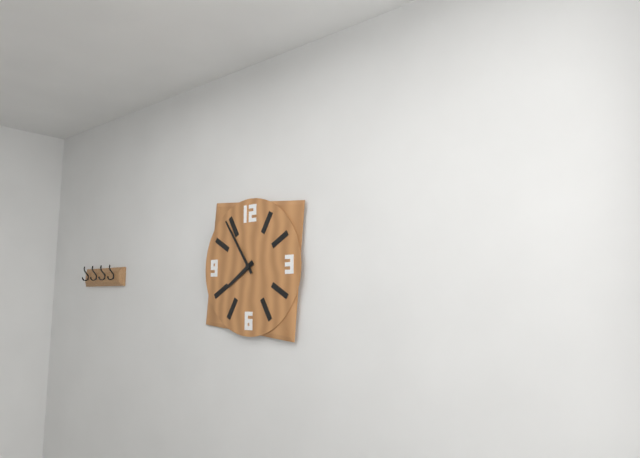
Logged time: 7 h 54 min
